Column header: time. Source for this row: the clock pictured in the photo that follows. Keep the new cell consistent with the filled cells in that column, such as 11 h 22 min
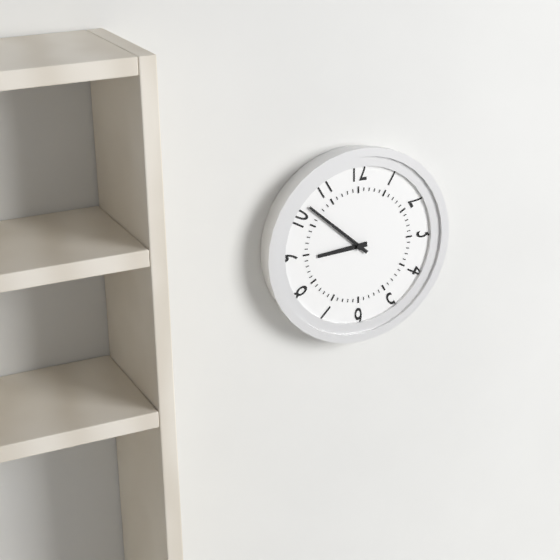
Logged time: 8 h 52 min
